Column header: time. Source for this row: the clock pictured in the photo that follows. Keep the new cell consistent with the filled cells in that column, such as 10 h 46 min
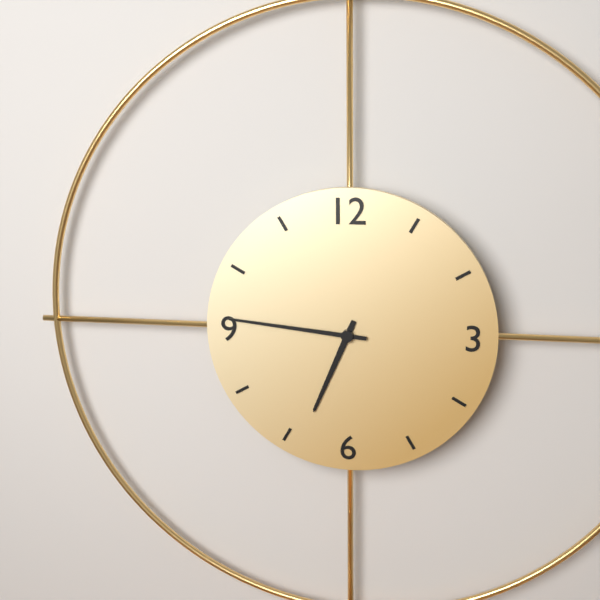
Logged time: 6 h 46 min
